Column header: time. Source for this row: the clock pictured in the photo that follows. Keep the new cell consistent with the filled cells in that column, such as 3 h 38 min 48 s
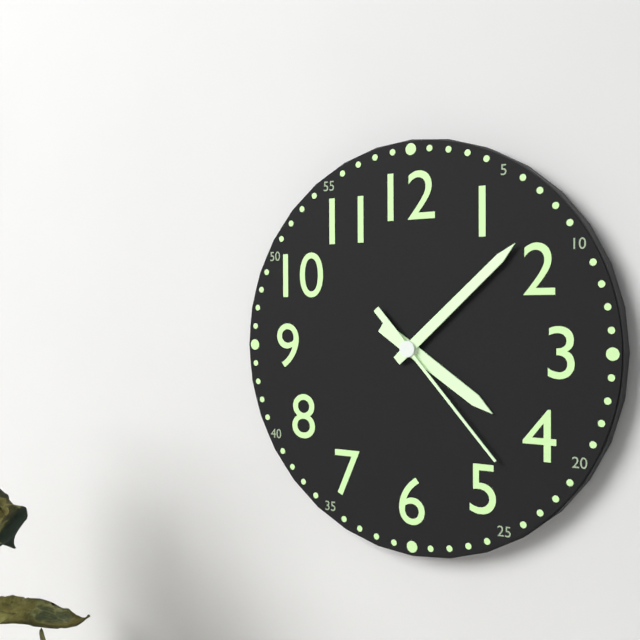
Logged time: 4 h 08 min 23 s
